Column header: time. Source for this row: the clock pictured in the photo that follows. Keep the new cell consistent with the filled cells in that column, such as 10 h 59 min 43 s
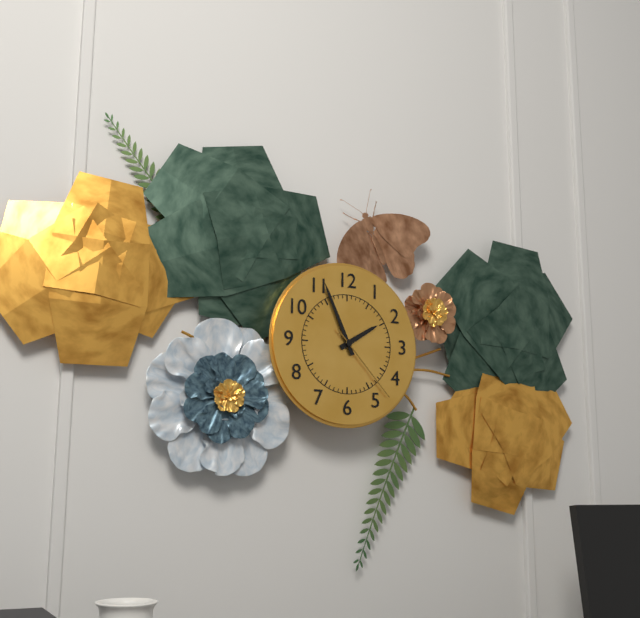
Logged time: 1 h 56 min 23 s
